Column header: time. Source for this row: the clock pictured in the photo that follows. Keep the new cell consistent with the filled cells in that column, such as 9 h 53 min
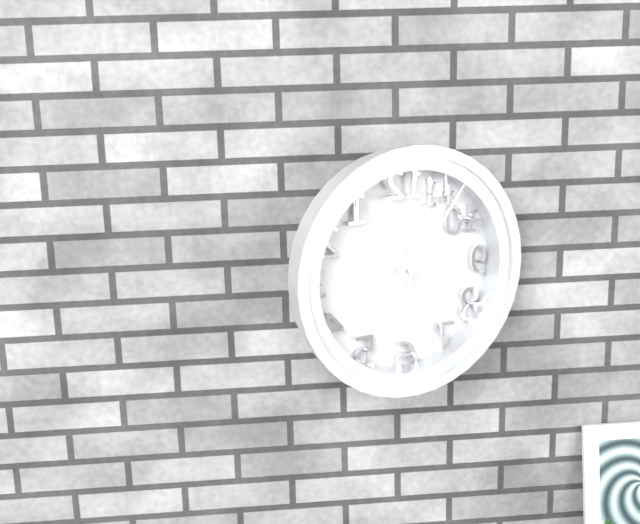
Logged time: 11 h 06 min
